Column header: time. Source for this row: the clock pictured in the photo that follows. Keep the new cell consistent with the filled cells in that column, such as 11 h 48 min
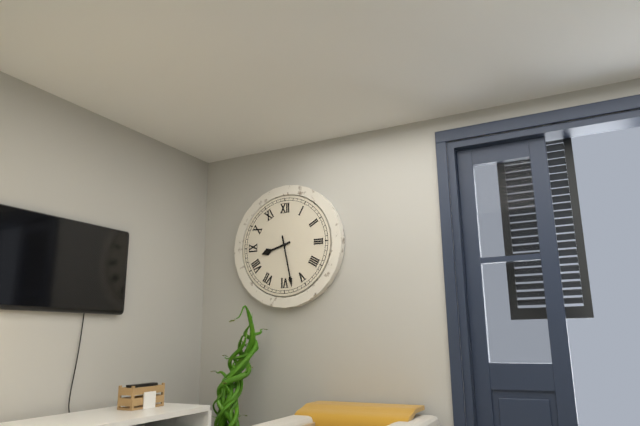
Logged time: 8 h 28 min
